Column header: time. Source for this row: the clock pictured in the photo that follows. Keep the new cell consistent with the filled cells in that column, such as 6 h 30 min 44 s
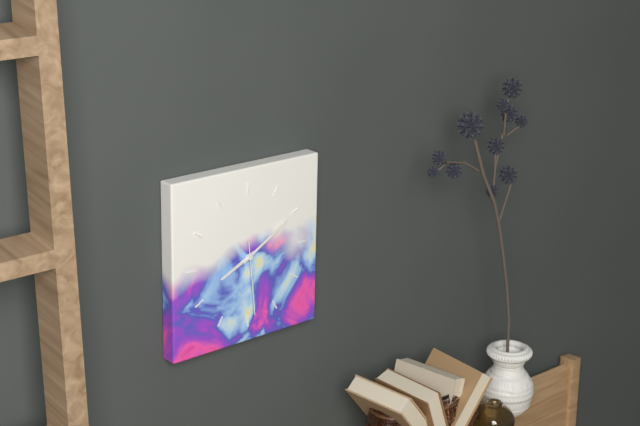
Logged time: 8 h 10 min 29 s
